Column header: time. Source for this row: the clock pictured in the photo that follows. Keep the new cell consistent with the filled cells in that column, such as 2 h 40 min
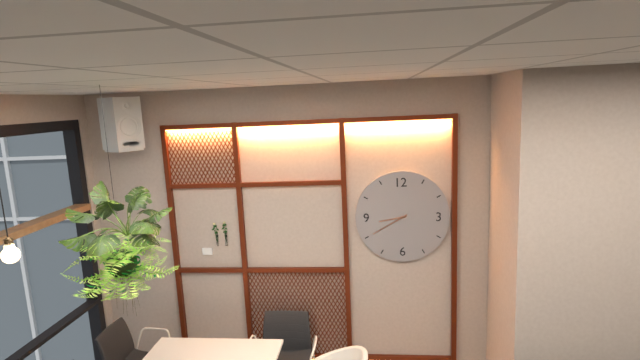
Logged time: 8 h 40 min
